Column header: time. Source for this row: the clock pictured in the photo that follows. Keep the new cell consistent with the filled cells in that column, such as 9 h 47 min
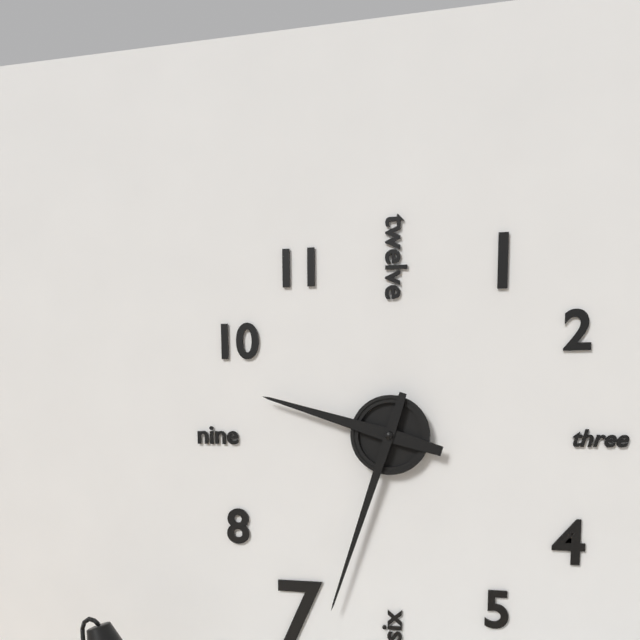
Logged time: 9 h 33 min
